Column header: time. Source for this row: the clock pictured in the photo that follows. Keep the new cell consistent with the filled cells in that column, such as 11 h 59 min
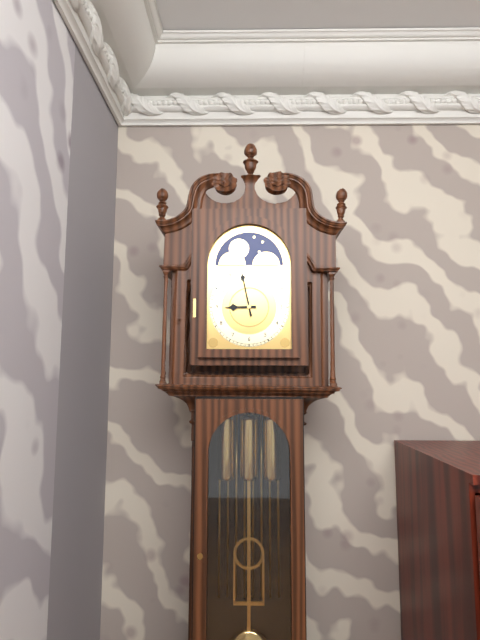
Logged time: 8 h 58 min
